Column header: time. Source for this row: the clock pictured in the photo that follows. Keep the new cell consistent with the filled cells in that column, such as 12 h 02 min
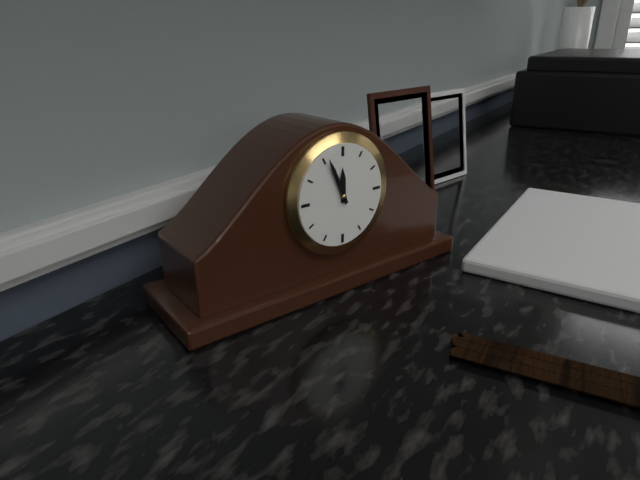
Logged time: 11 h 56 min
